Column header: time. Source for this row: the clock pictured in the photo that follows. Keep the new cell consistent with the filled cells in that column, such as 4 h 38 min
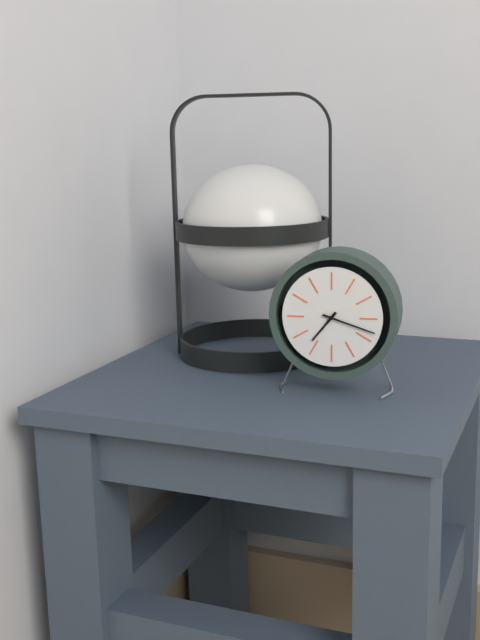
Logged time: 7 h 18 min
